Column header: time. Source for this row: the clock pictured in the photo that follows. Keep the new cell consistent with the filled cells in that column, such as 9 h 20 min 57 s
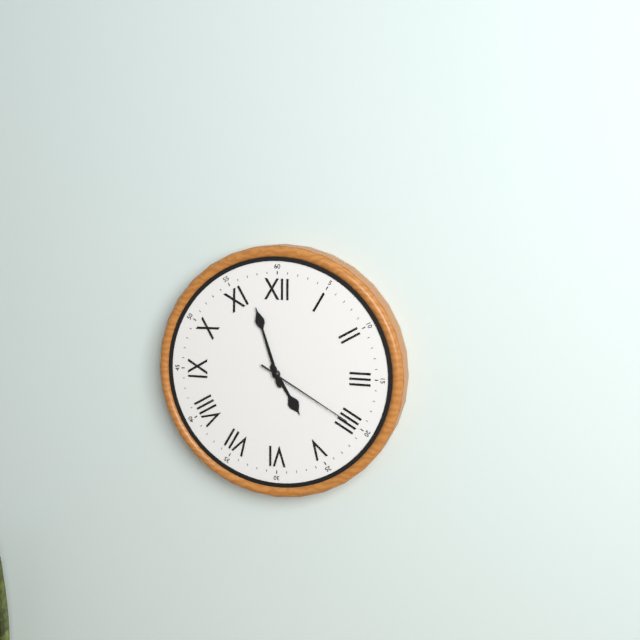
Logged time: 4 h 57 min 20 s
